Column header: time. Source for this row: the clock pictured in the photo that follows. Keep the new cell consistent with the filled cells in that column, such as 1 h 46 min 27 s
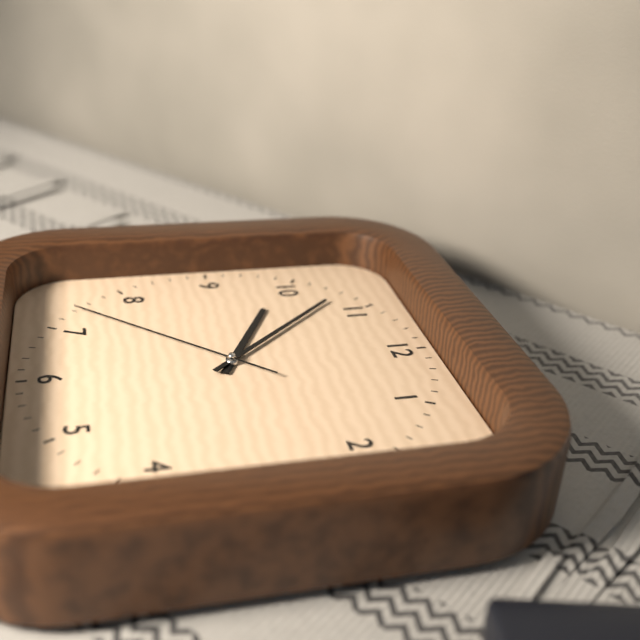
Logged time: 9 h 53 min 37 s
